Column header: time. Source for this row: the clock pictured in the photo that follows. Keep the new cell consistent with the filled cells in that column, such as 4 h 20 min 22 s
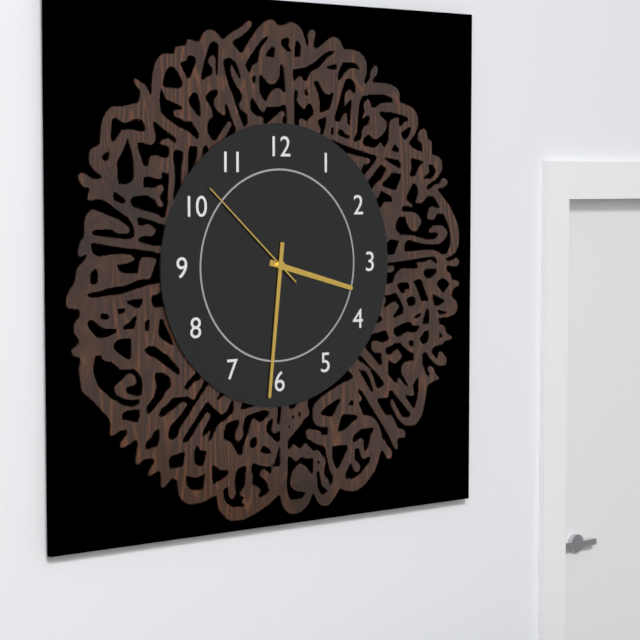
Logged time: 3 h 31 min 52 s
